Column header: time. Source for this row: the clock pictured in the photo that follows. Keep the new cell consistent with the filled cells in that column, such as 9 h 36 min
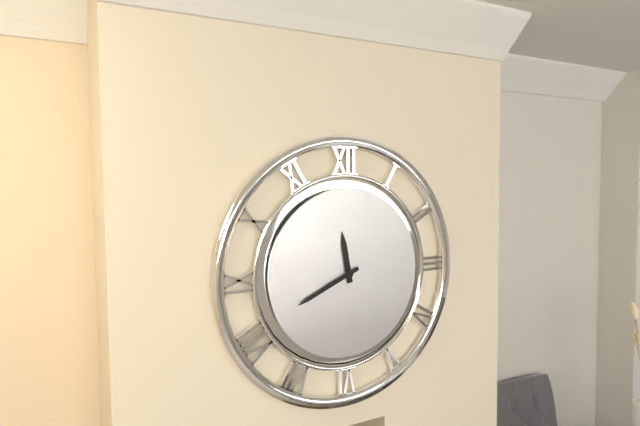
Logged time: 11 h 41 min
